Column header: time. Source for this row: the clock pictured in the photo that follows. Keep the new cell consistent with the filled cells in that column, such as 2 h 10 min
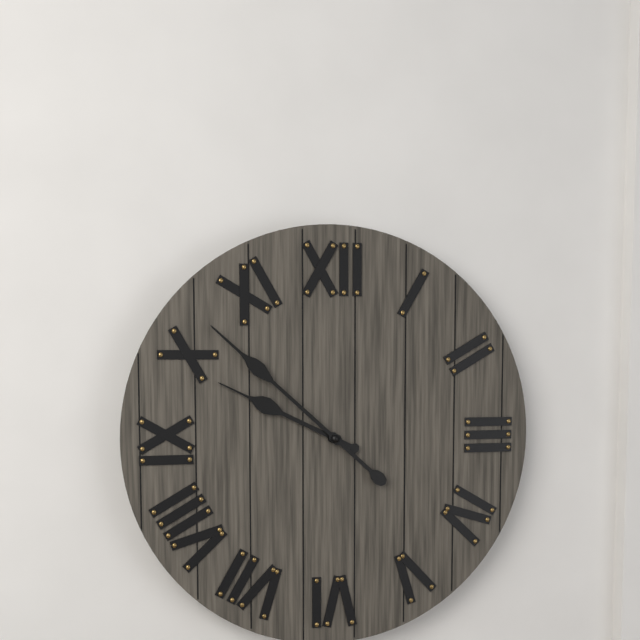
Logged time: 9 h 52 min
